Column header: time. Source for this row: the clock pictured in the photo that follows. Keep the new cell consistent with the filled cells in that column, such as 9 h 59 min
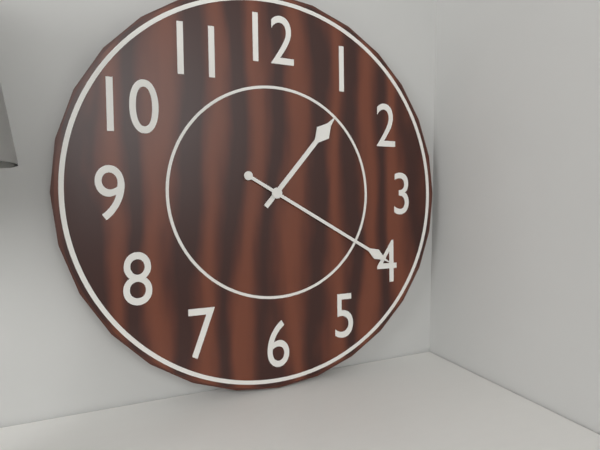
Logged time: 1 h 20 min
